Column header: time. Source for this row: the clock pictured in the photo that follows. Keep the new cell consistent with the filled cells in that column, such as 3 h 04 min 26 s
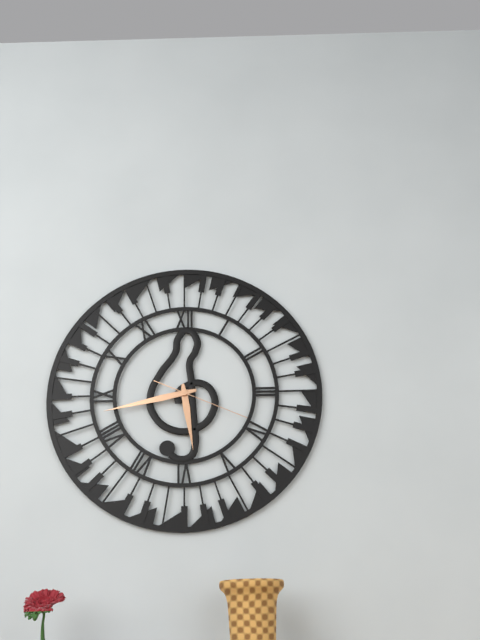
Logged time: 5 h 43 min 19 s
